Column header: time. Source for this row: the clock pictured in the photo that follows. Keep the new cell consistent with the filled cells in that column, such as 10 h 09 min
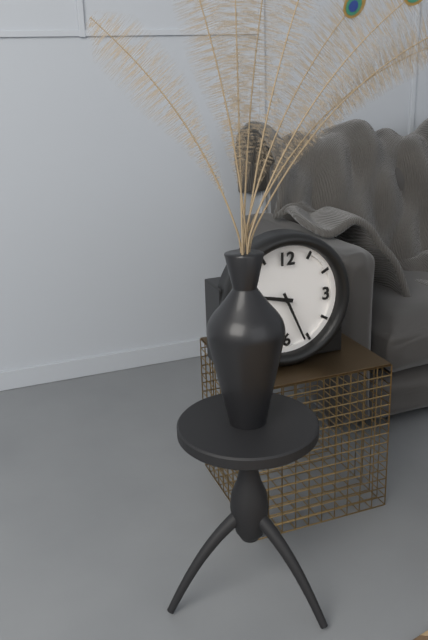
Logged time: 9 h 26 min
